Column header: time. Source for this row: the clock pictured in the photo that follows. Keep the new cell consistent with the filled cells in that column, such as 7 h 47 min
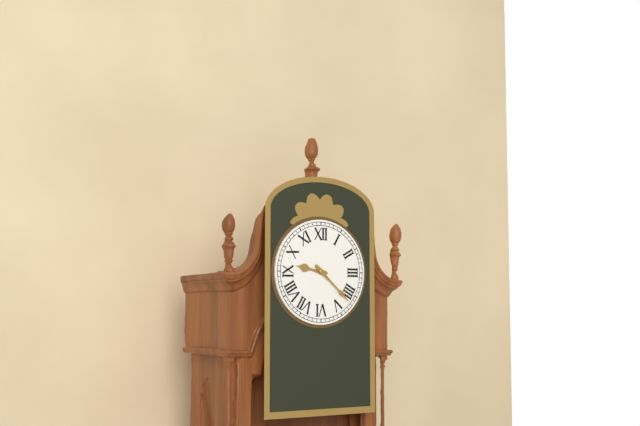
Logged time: 9 h 22 min
